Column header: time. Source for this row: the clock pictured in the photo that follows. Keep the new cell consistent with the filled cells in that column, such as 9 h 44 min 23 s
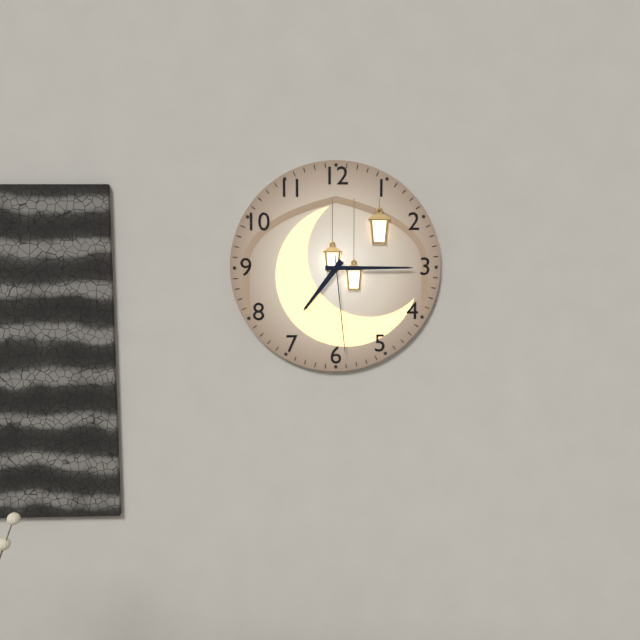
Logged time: 7 h 15 min 29 s
